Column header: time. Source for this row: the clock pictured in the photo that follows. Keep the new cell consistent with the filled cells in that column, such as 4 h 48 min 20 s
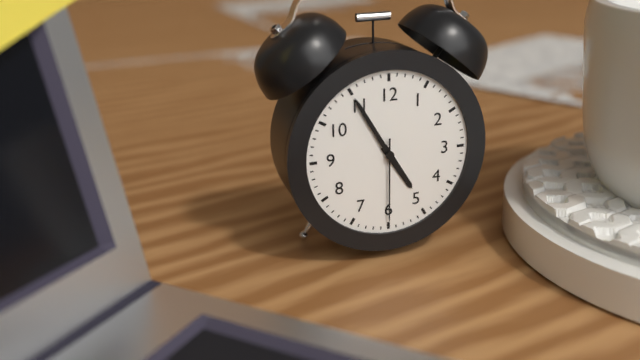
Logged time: 4 h 55 min 30 s
